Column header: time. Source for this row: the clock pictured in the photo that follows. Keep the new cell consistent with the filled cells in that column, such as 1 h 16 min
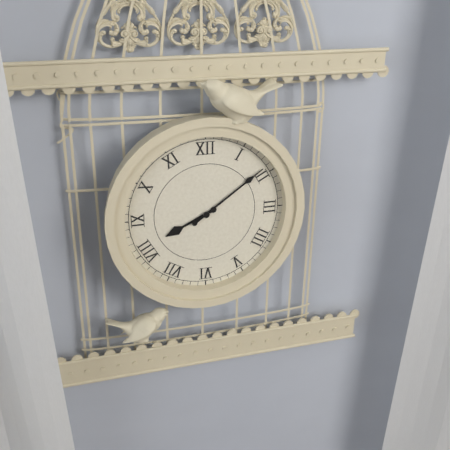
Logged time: 8 h 09 min
